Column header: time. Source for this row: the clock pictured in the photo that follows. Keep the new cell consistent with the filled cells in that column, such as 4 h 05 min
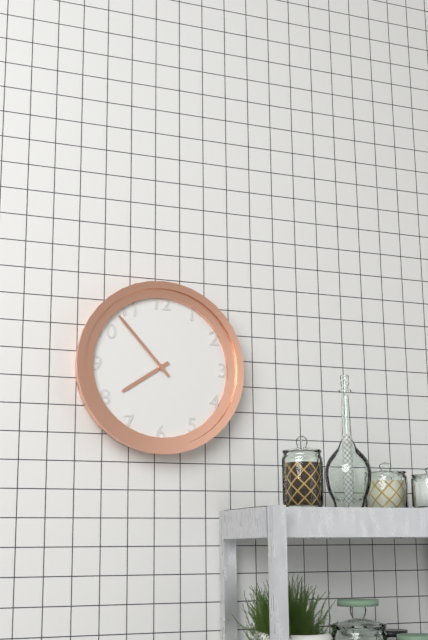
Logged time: 7 h 53 min
